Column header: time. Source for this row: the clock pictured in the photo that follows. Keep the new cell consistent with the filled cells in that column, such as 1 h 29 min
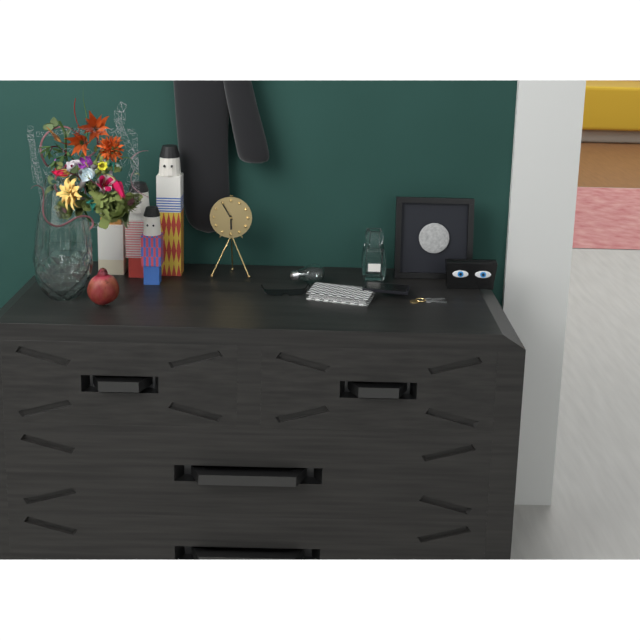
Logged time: 5 h 55 min
